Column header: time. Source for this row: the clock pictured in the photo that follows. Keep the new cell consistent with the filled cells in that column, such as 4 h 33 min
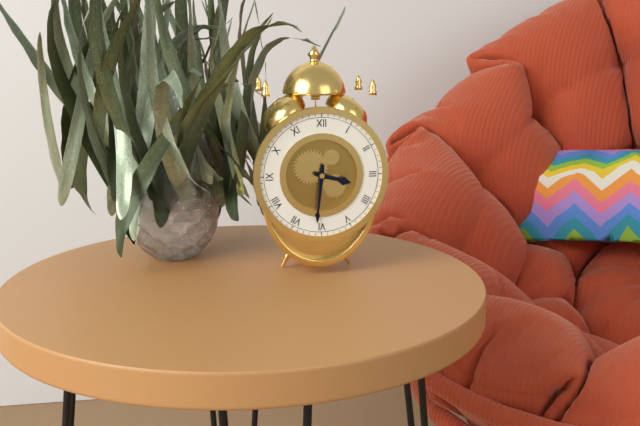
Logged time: 3 h 31 min
